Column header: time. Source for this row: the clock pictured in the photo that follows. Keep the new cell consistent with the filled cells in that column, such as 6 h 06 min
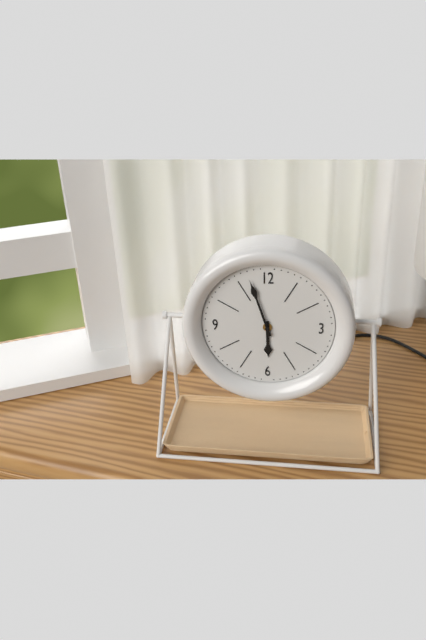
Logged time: 5 h 57 min
